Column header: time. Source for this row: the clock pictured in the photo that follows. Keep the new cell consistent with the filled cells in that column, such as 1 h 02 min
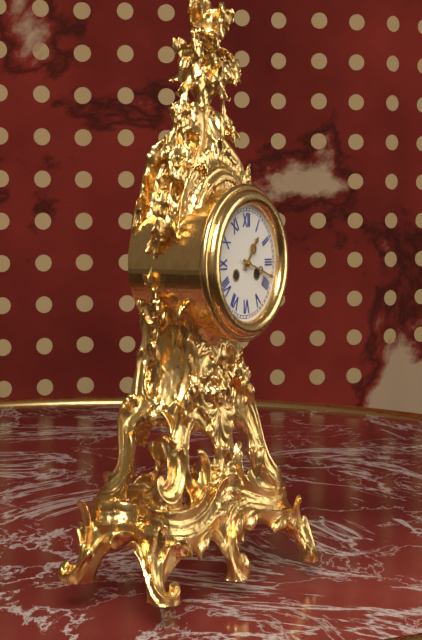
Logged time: 1 h 18 min
